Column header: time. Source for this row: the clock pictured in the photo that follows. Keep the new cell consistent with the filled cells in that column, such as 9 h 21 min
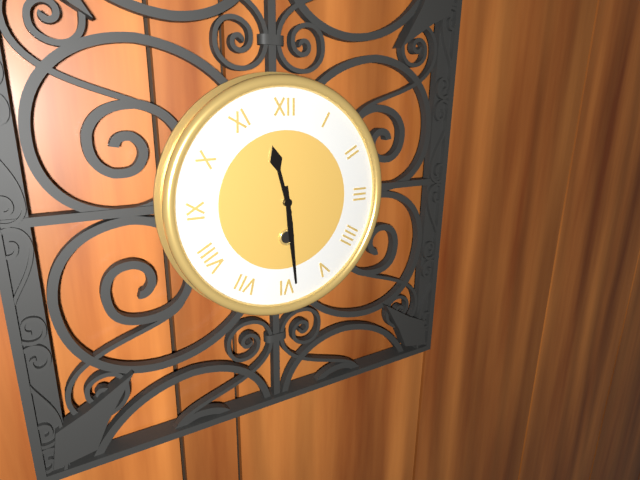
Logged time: 11 h 29 min
